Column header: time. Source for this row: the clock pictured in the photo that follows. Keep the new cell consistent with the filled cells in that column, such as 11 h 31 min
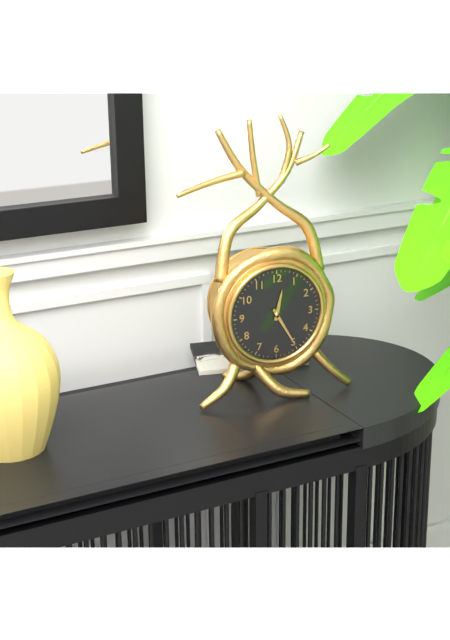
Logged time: 12 h 25 min
